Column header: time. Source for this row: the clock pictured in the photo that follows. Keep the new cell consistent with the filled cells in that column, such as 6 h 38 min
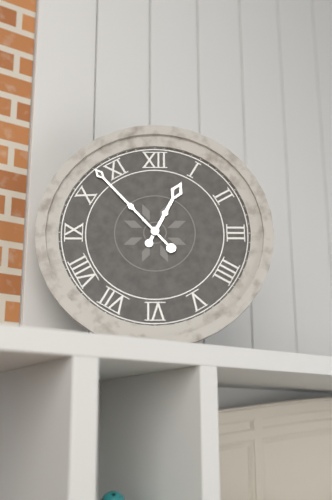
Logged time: 12 h 53 min
